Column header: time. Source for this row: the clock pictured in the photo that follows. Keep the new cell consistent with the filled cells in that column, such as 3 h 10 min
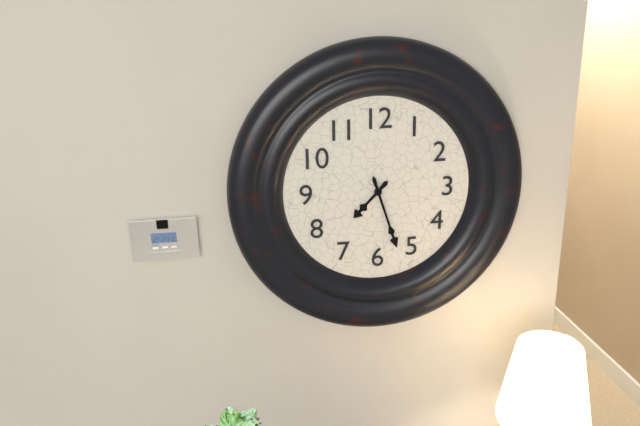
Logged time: 7 h 27 min
